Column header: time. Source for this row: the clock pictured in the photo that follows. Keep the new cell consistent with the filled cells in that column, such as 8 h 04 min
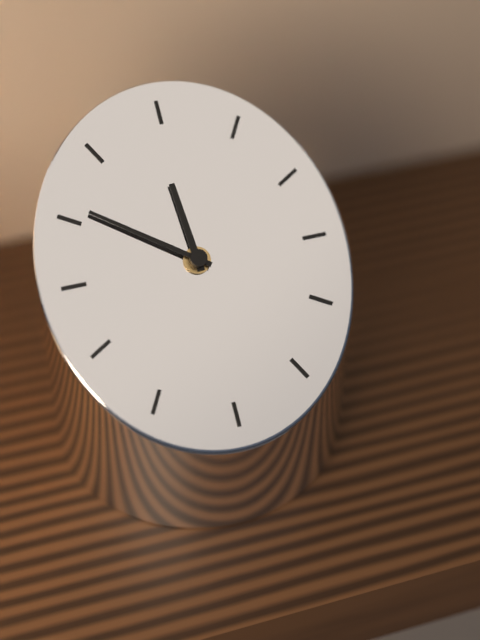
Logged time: 11 h 51 min
